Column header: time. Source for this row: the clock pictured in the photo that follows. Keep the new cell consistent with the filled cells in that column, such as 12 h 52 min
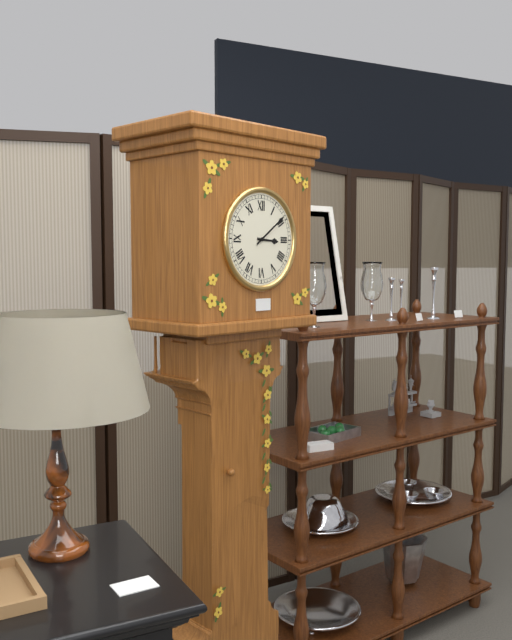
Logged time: 3 h 09 min
